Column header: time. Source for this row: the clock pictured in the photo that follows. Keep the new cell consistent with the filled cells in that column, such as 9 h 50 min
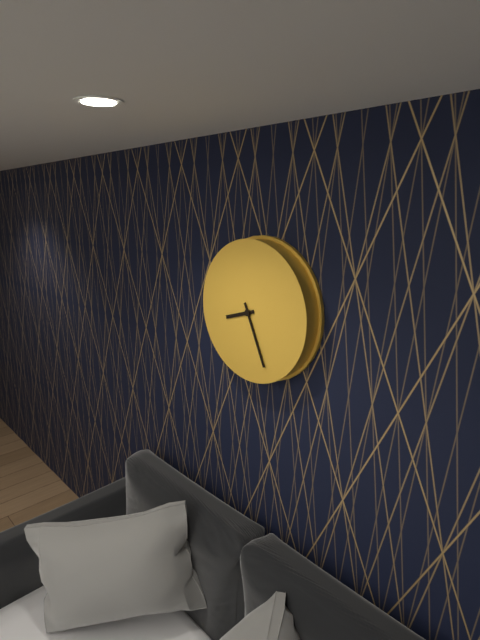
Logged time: 8 h 26 min
